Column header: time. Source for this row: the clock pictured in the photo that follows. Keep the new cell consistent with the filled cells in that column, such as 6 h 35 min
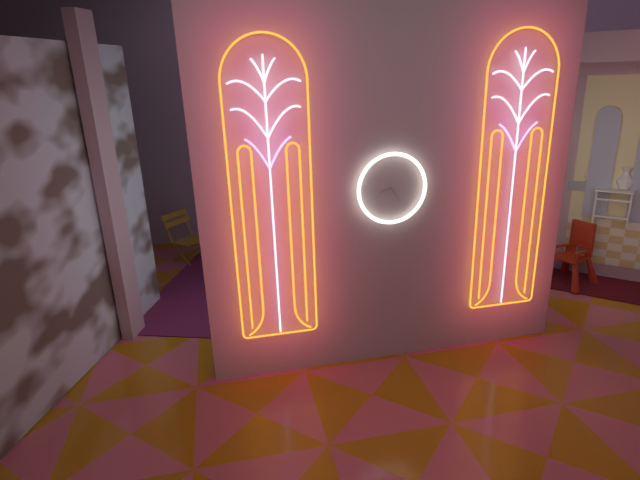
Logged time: 8 h 24 min
